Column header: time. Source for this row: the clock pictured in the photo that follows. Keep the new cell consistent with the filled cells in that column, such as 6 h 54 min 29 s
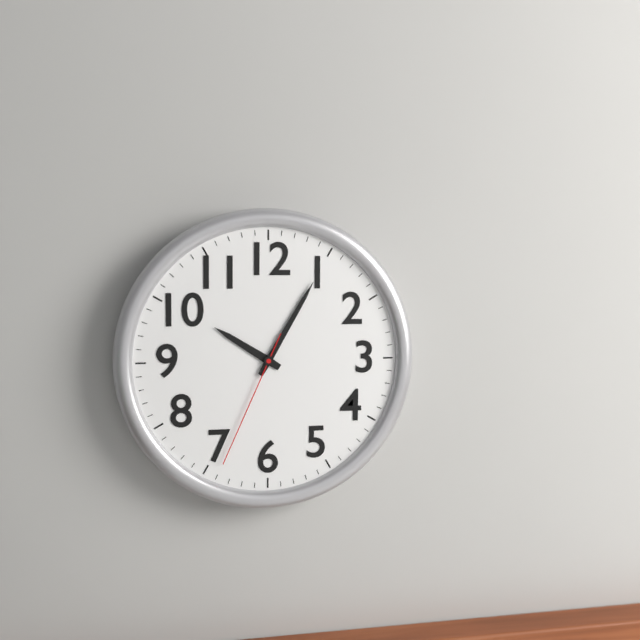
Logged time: 10 h 05 min 34 s
